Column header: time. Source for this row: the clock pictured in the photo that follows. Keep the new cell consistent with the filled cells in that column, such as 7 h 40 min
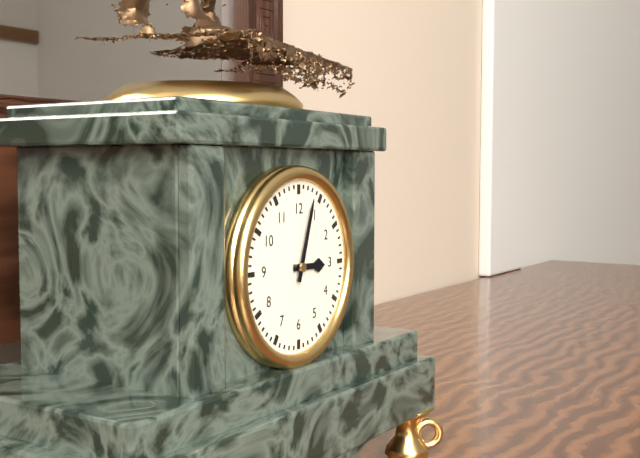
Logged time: 3 h 03 min
